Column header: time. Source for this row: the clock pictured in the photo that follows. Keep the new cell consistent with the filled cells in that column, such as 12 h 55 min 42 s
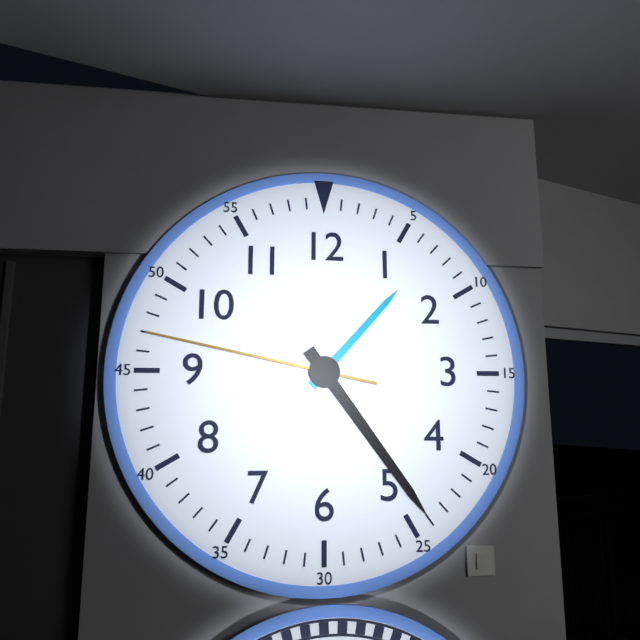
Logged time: 1 h 24 min 47 s
